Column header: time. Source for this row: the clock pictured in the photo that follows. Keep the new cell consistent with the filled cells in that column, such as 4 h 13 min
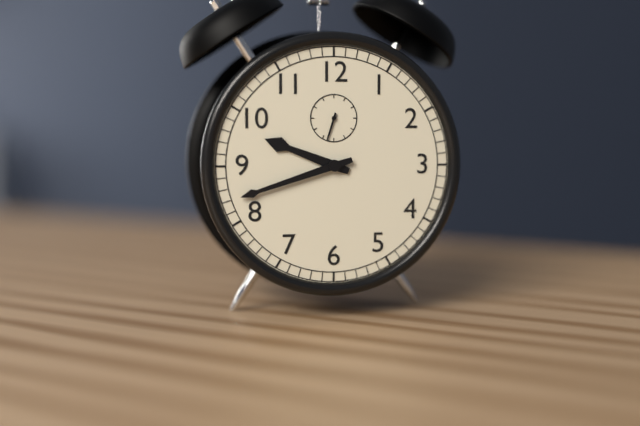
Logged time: 9 h 42 min
